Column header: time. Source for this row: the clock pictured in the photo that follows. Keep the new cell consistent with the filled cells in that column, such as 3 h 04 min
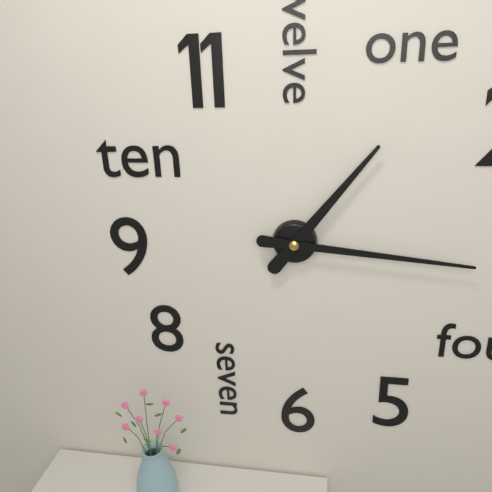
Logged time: 1 h 16 min
